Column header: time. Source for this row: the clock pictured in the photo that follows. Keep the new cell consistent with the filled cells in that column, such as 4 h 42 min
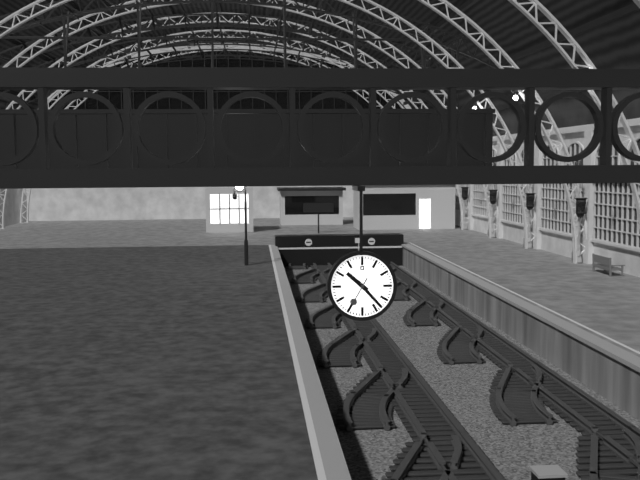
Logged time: 10 h 23 min
